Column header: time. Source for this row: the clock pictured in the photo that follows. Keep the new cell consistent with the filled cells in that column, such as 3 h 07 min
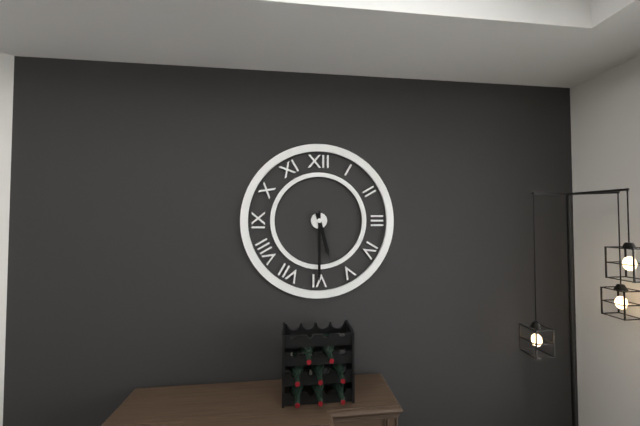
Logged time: 5 h 30 min
